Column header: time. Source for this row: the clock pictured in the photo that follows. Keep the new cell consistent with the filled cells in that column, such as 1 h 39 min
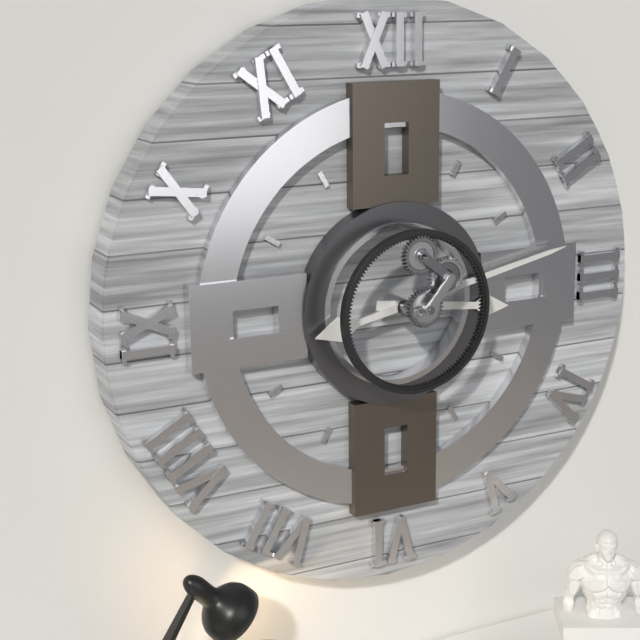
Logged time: 3 h 13 min
